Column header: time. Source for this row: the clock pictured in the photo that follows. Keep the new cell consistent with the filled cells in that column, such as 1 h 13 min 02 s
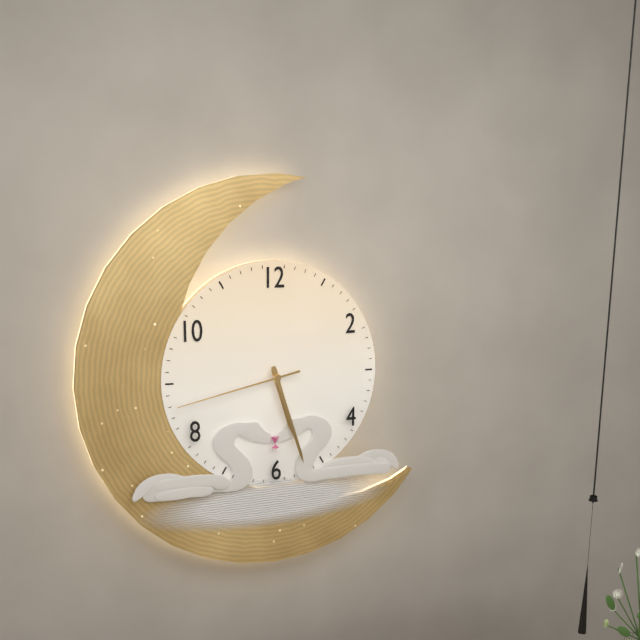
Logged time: 5 h 27 min 43 s
